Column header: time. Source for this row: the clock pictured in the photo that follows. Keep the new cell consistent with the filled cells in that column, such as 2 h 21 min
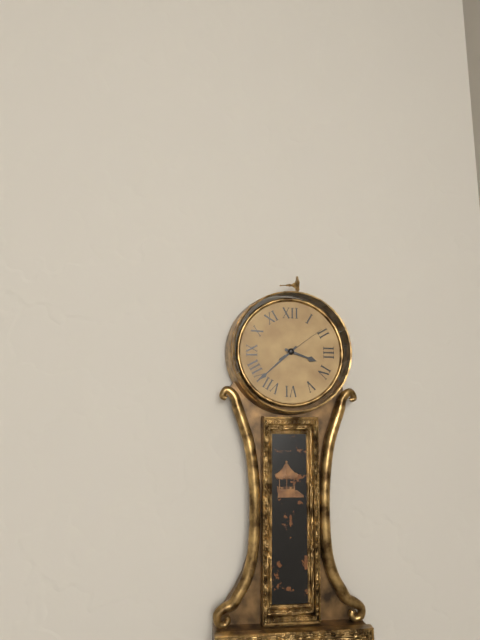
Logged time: 3 h 38 min
